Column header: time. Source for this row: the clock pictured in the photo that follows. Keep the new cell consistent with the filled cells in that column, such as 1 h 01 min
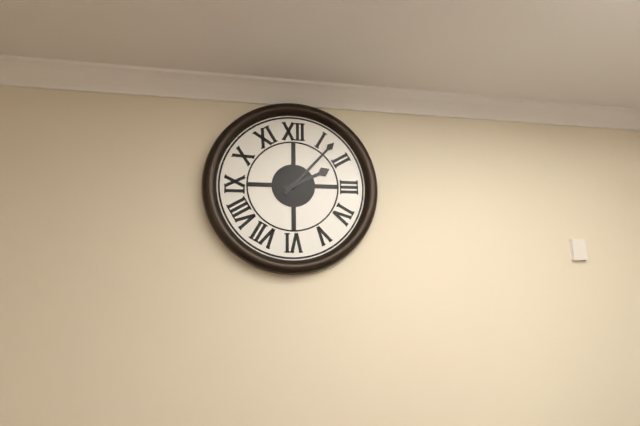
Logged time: 2 h 07 min
